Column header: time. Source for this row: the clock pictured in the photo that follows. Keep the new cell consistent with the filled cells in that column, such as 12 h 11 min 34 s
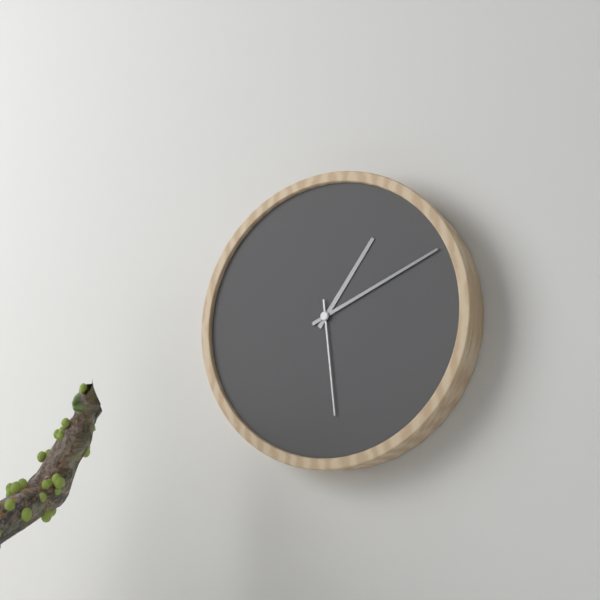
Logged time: 1 h 11 min 29 s
